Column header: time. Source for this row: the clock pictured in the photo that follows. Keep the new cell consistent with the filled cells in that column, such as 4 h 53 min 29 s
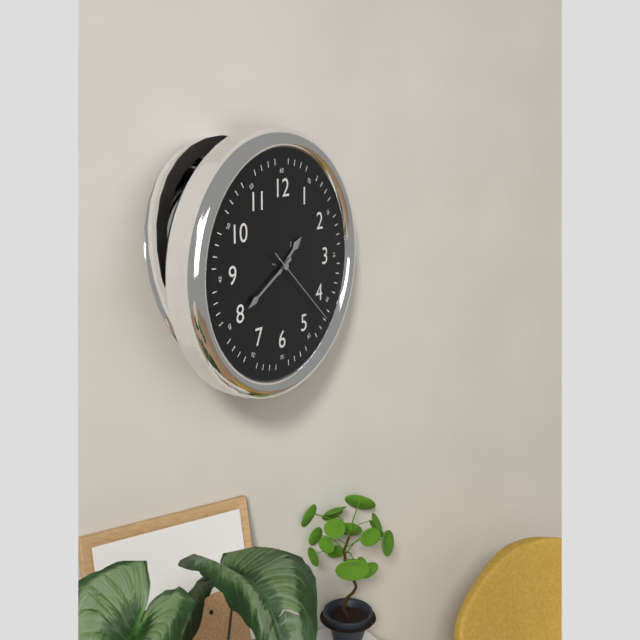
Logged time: 1 h 40 min 22 s
